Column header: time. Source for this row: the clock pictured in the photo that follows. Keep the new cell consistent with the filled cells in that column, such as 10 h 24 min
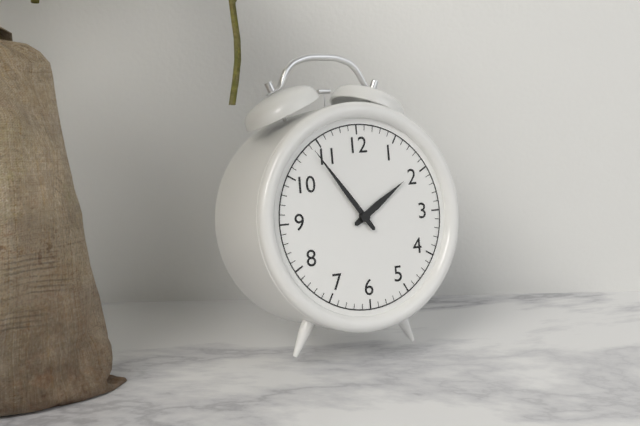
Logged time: 1 h 54 min
